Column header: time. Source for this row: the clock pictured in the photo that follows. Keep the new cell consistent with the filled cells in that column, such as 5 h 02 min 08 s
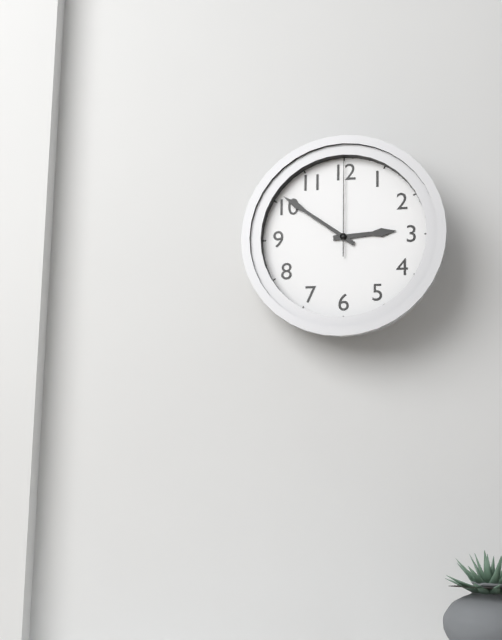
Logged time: 2 h 51 min 00 s
